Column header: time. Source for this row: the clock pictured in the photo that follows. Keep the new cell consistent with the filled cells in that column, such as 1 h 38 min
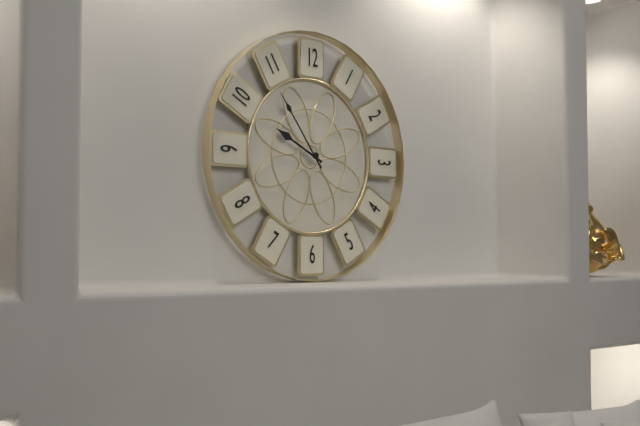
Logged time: 9 h 54 min
